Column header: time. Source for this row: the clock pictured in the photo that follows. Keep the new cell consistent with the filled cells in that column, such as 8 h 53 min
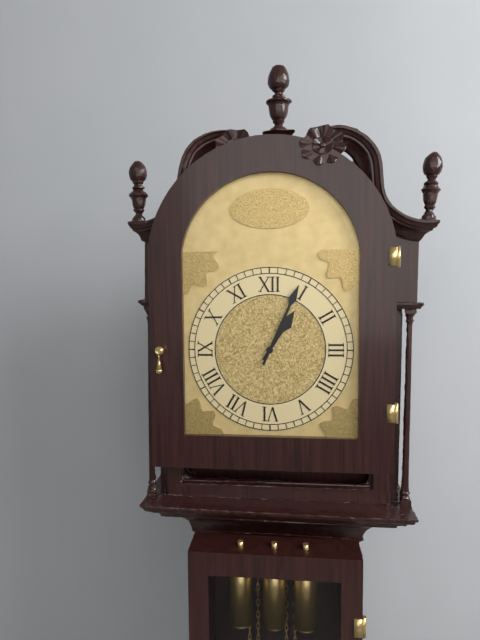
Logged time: 1 h 04 min
